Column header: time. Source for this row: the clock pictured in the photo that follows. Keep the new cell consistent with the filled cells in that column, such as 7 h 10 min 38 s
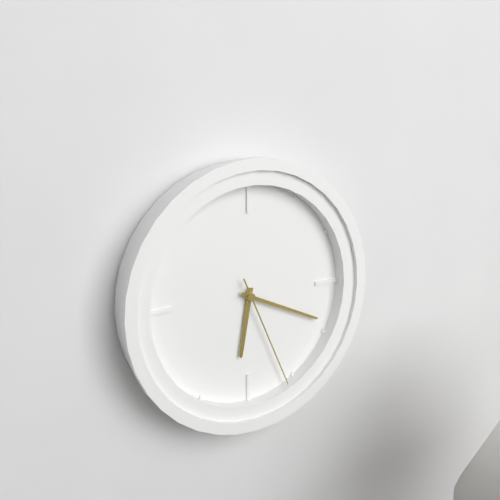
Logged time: 6 h 19 min 26 s
